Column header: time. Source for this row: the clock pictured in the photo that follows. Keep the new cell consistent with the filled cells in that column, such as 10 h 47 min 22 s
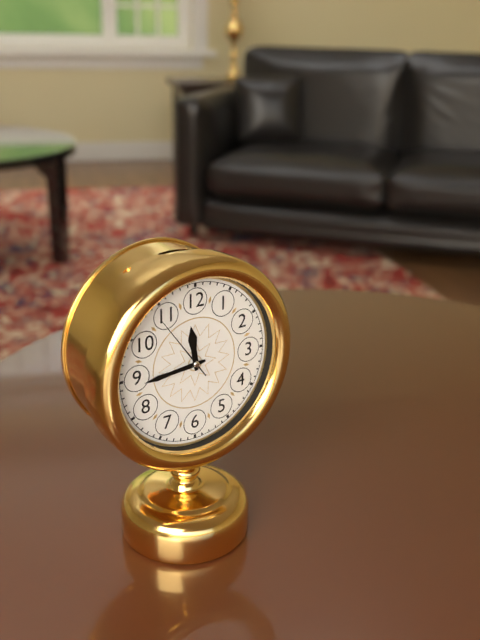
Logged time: 11 h 44 min 54 s
